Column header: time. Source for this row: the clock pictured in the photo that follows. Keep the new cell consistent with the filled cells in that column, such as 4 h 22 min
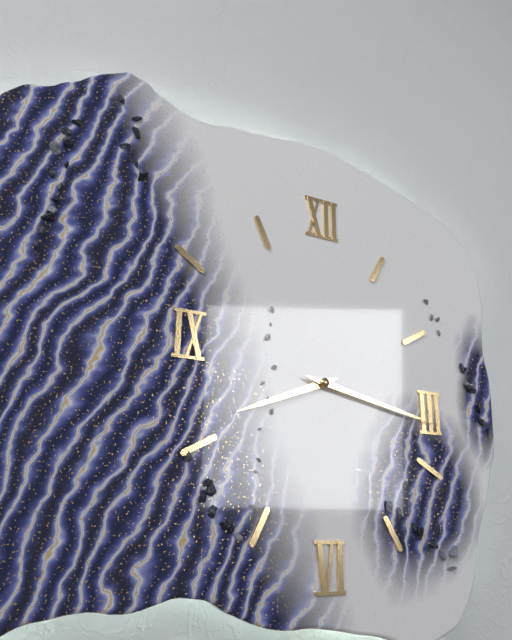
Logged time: 8 h 17 min
